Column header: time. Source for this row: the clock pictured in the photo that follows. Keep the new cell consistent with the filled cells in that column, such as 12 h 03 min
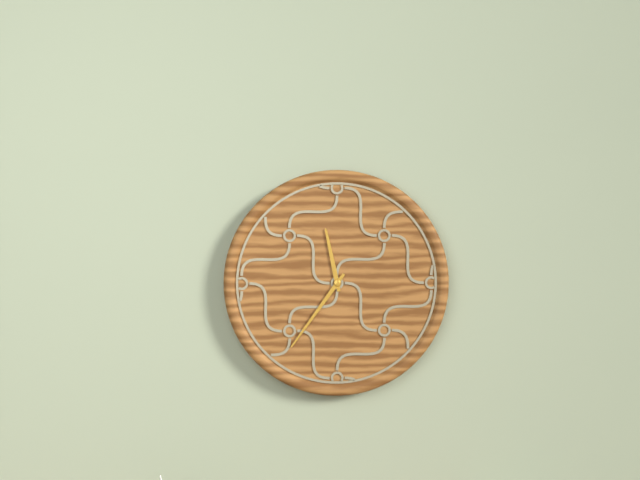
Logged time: 11 h 36 min
